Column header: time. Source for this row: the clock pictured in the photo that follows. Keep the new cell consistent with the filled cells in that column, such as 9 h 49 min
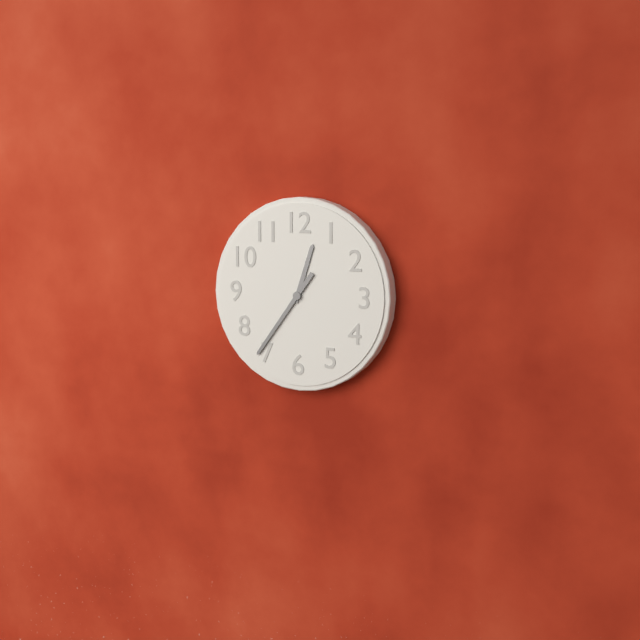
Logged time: 12 h 36 min
